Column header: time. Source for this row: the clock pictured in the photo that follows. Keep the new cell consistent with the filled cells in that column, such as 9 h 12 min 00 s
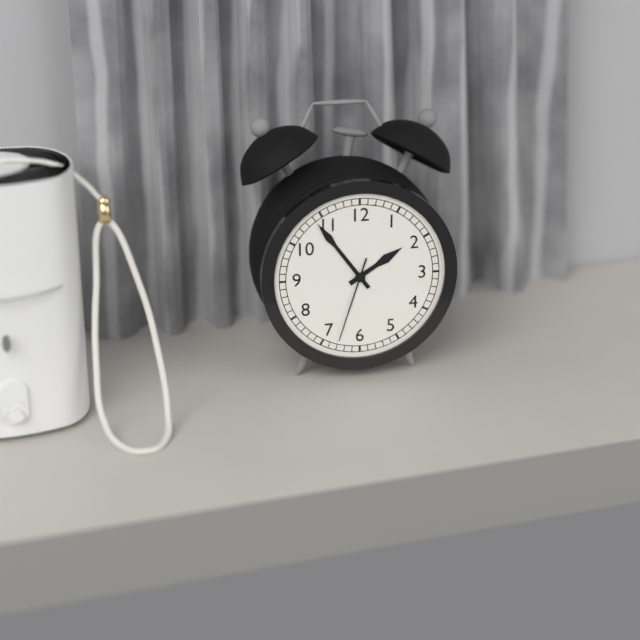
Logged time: 1 h 54 min 33 s
